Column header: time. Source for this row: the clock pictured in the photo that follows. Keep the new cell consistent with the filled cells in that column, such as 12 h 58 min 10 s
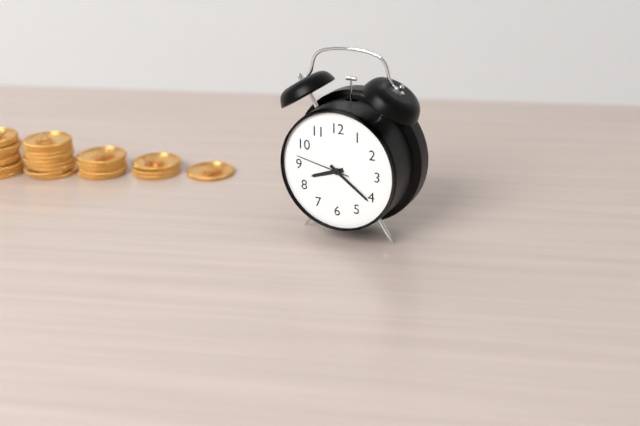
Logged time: 8 h 21 min 47 s
